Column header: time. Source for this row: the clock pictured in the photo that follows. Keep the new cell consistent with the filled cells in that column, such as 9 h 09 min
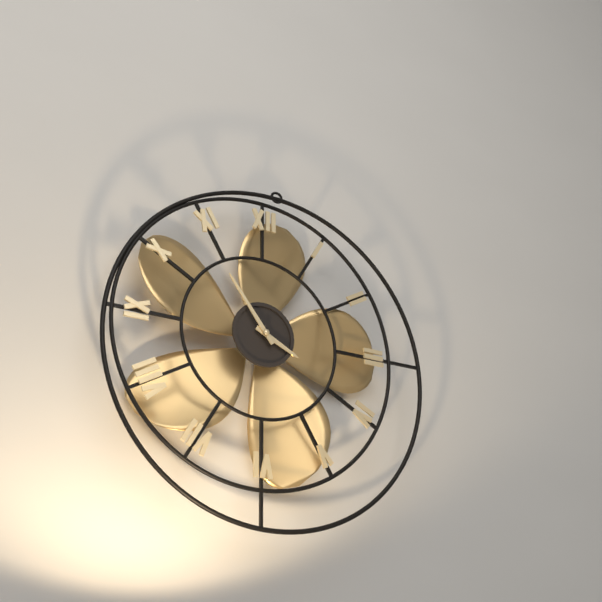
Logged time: 3 h 54 min
